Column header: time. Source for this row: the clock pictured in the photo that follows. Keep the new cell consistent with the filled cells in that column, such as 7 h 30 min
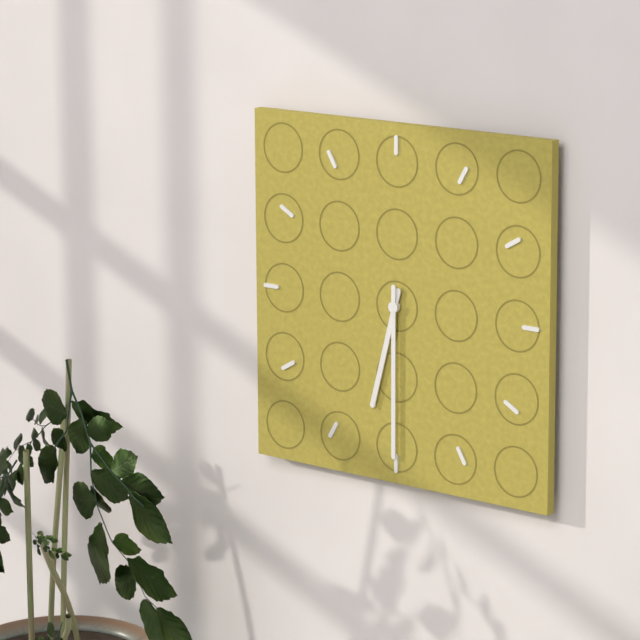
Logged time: 6 h 30 min
